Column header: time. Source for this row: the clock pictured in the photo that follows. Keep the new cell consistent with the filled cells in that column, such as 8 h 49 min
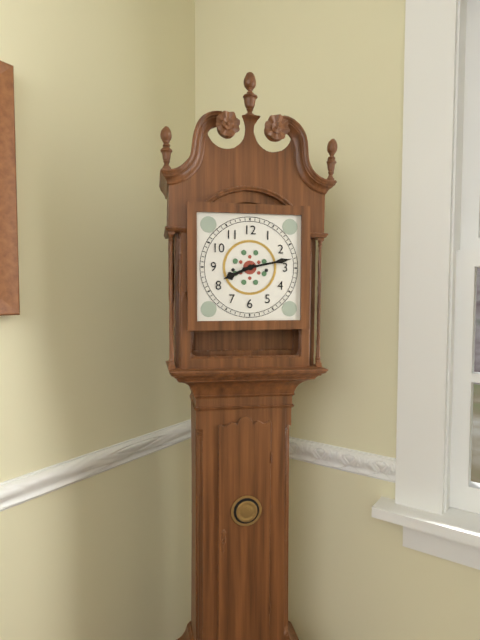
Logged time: 8 h 13 min
